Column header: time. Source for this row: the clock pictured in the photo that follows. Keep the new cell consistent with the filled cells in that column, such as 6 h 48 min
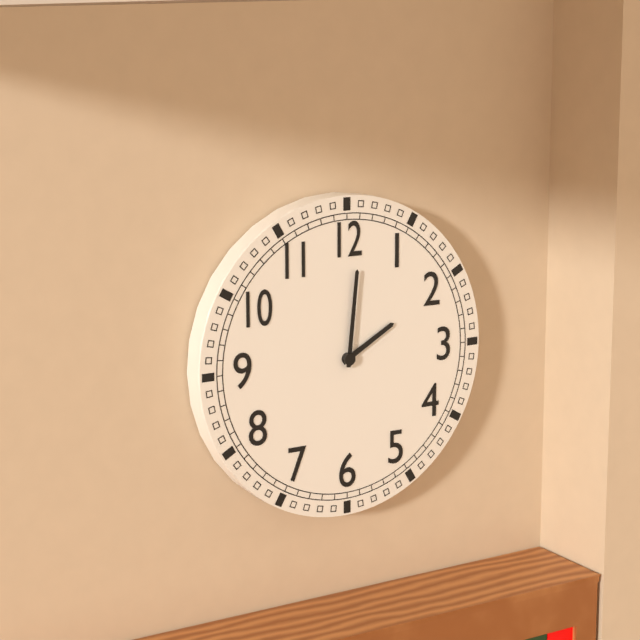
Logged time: 2 h 01 min
